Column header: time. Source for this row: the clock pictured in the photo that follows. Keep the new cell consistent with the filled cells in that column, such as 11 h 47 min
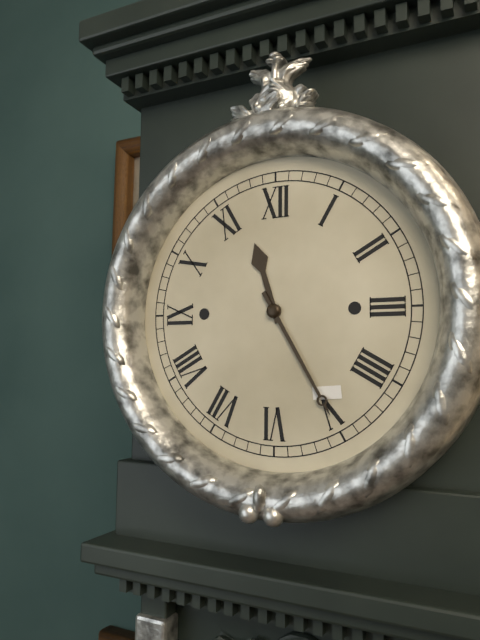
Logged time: 11 h 25 min
